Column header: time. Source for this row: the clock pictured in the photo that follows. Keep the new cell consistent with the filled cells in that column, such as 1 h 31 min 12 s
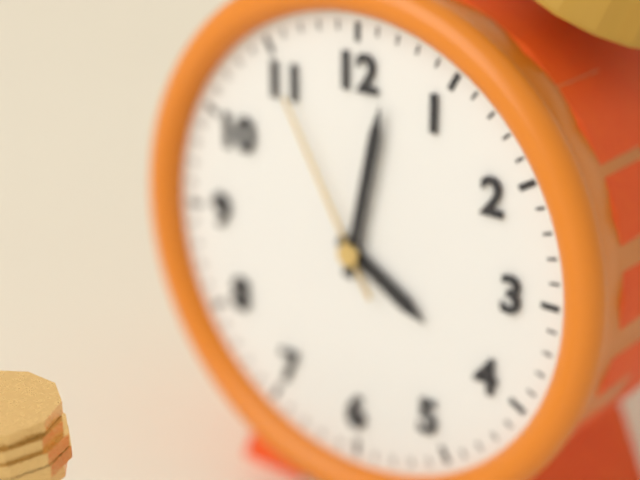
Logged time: 4 h 02 min 55 s
